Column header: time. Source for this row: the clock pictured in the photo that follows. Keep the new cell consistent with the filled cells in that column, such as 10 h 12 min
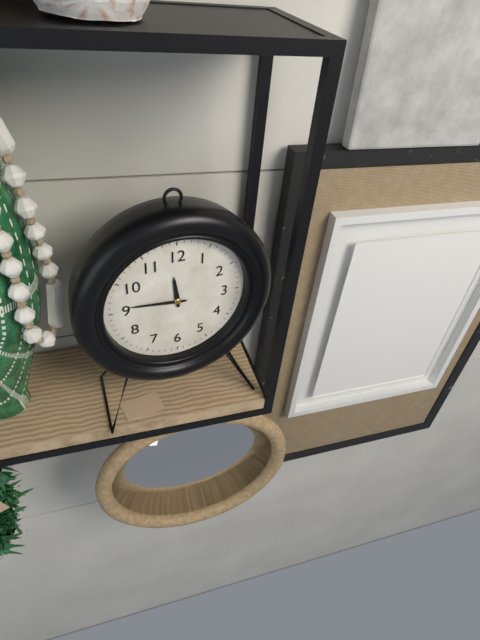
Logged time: 11 h 46 min
